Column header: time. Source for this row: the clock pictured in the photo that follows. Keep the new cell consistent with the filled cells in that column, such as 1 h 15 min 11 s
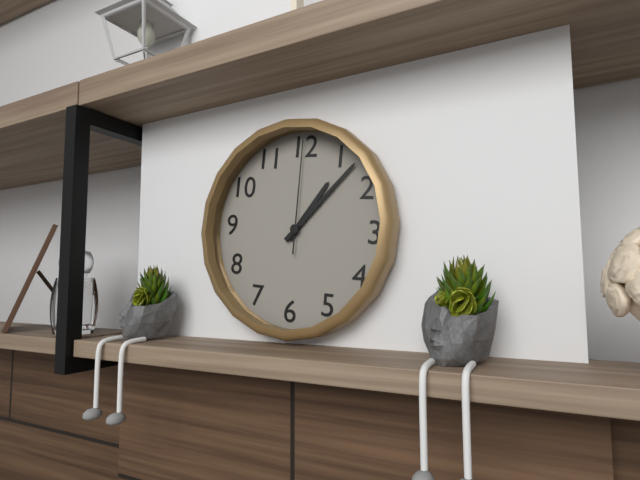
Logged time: 1 h 07 min 00 s
